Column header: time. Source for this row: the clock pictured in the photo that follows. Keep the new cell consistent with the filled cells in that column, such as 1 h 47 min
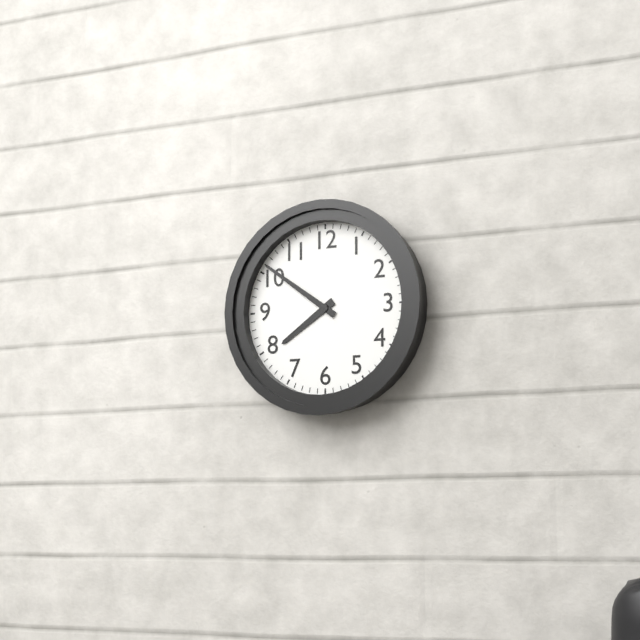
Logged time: 7 h 51 min
